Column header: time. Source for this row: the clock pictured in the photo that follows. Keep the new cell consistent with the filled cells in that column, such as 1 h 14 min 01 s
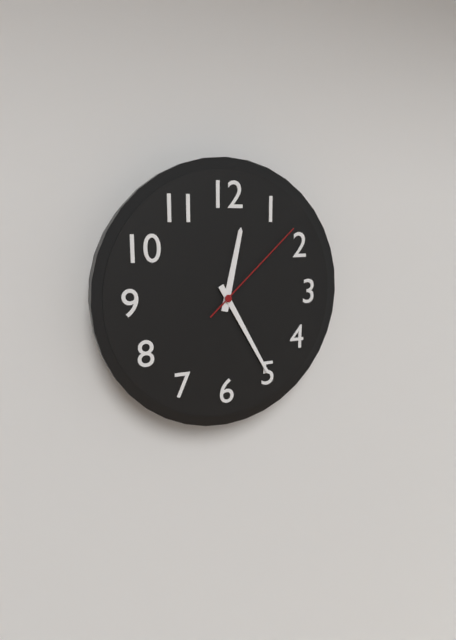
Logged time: 12 h 25 min 08 s
